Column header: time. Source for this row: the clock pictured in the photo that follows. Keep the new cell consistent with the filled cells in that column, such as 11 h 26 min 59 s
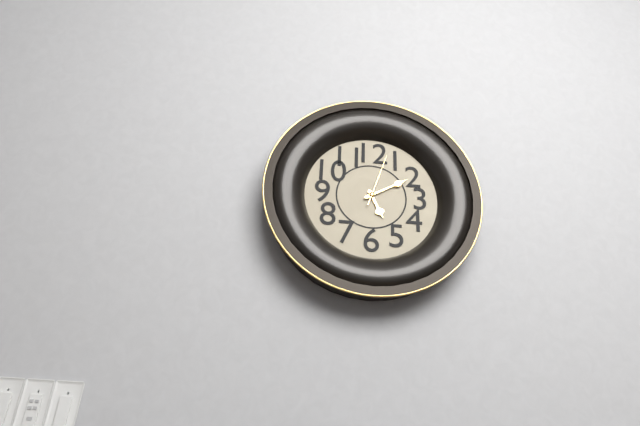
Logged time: 5 h 10 min 03 s
